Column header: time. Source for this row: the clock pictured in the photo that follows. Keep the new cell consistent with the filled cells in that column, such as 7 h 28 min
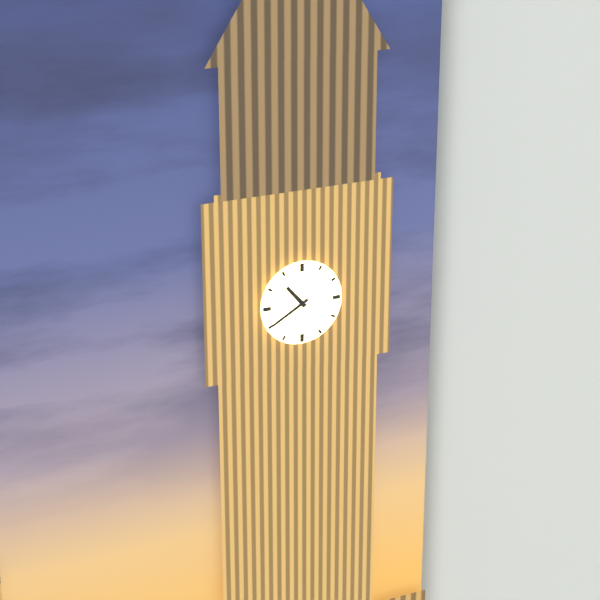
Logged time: 10 h 40 min
